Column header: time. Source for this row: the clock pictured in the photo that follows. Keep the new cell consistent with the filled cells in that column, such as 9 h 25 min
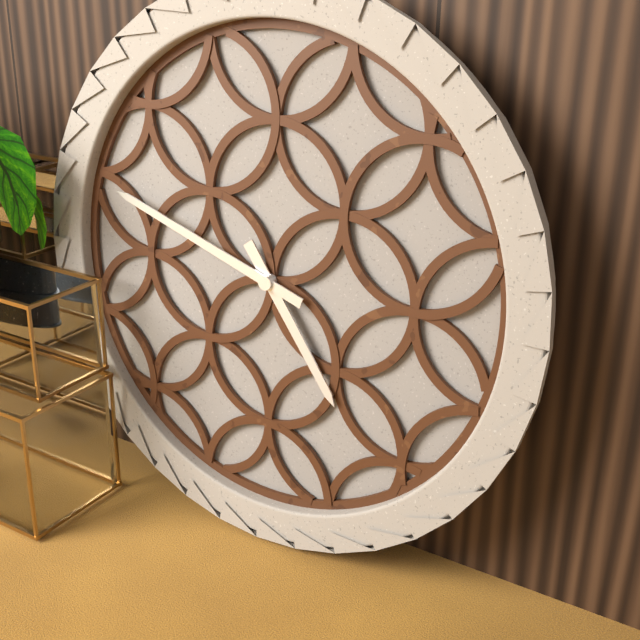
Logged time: 4 h 48 min
